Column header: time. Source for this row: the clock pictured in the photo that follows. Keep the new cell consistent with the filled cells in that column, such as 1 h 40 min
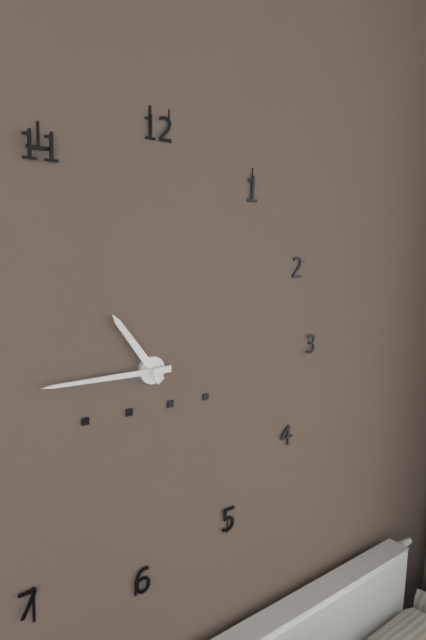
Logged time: 10 h 45 min
